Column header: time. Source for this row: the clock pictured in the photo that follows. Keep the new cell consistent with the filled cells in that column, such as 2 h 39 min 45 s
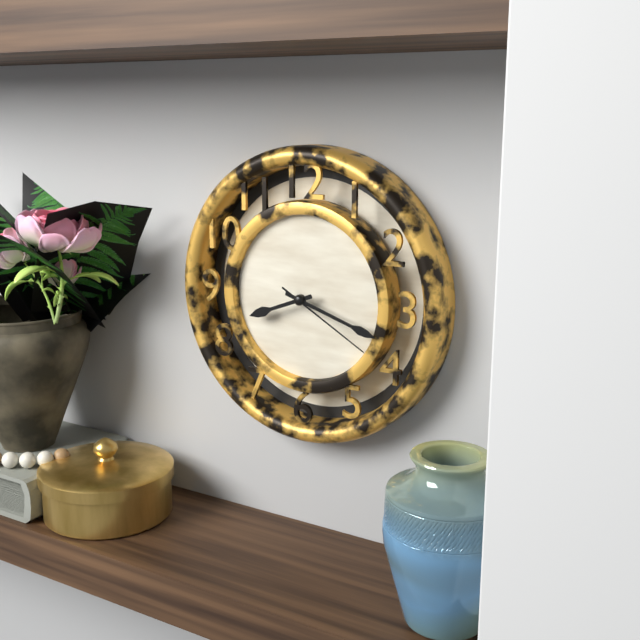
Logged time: 8 h 18 min 20 s
